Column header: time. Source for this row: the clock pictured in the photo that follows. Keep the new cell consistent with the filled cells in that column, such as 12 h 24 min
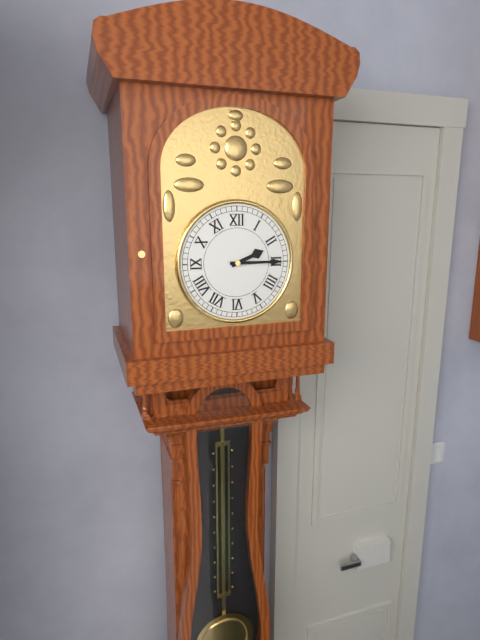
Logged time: 2 h 15 min
